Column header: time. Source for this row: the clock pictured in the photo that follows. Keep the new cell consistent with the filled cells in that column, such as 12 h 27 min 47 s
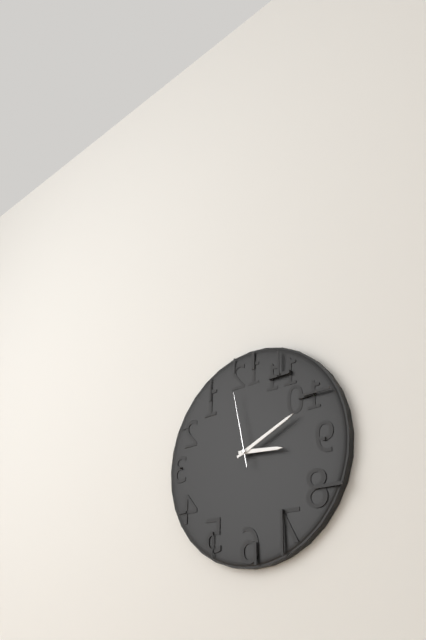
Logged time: 3 h 11 min 58 s
